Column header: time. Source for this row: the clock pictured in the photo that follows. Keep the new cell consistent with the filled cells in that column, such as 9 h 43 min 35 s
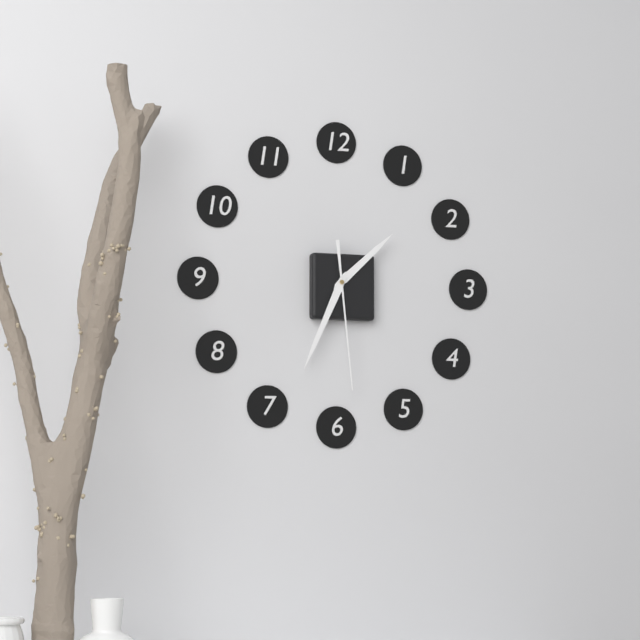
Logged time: 1 h 34 min 29 s
